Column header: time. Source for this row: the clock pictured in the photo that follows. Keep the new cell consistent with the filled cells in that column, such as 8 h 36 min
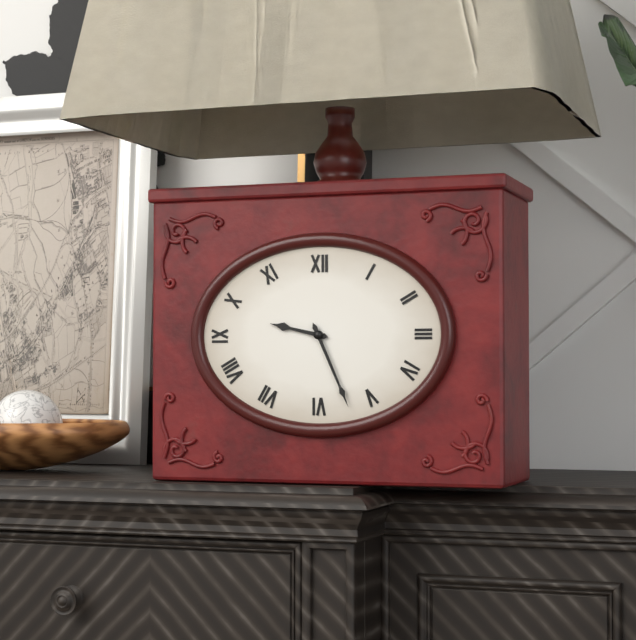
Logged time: 9 h 26 min
